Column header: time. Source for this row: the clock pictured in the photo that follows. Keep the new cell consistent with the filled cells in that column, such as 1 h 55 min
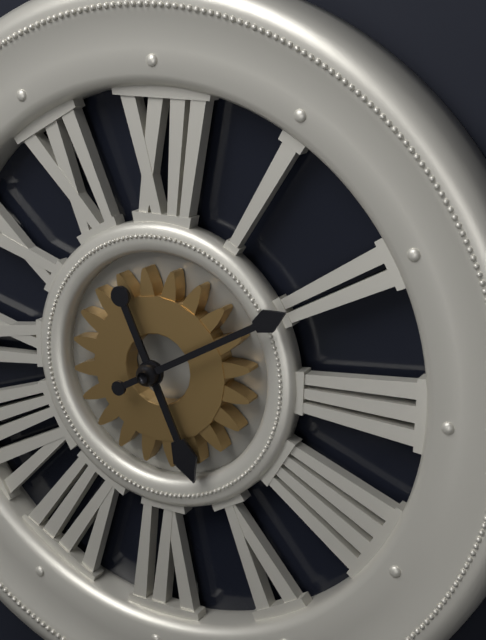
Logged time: 5 h 10 min
